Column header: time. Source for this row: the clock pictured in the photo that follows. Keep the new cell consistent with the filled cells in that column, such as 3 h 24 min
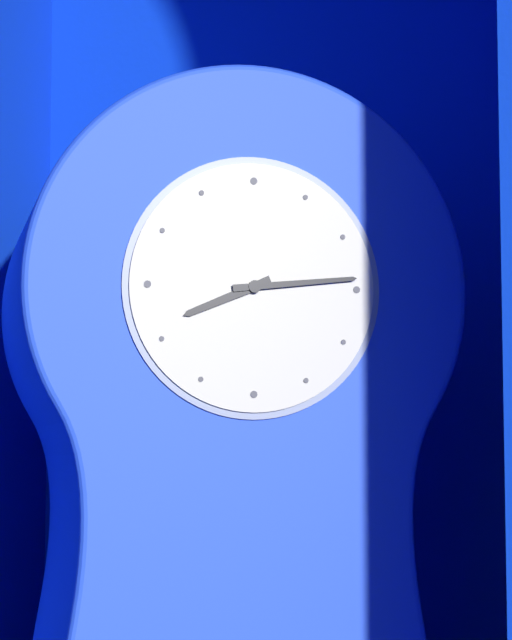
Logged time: 8 h 14 min
